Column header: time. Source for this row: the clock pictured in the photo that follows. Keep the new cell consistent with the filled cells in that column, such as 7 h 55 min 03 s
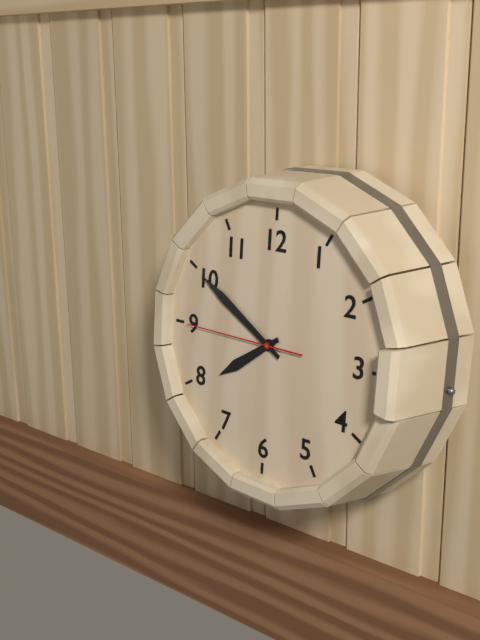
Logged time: 7 h 50 min 45 s
